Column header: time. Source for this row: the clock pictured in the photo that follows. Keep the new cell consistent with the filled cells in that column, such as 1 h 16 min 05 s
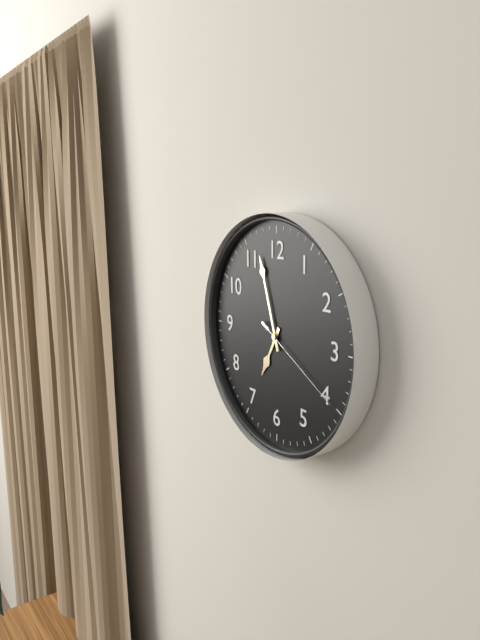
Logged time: 6 h 57 min 20 s
